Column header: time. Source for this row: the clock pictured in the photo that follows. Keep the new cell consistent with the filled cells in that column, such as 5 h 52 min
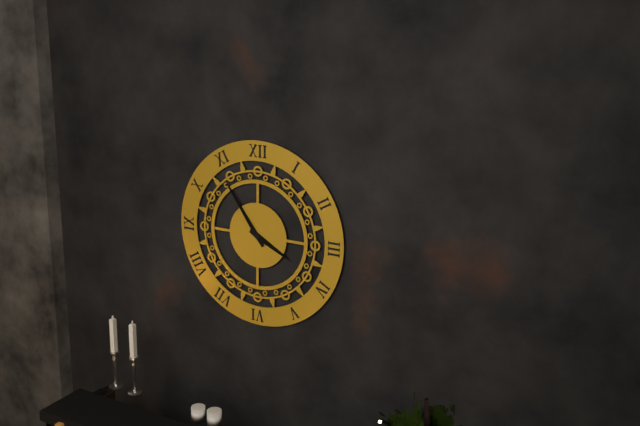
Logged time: 3 h 54 min
